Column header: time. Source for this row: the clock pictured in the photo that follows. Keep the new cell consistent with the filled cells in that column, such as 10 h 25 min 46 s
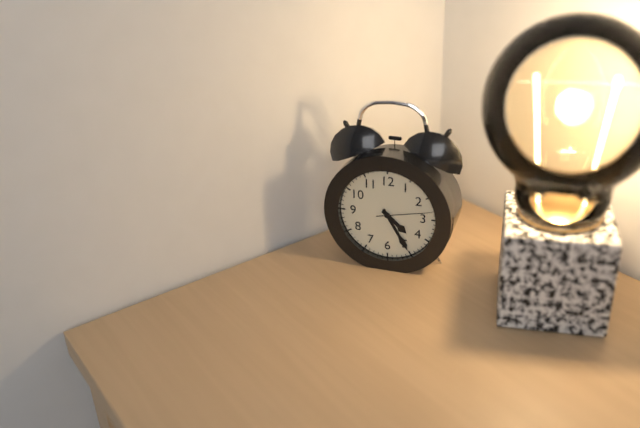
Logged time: 4 h 25 min 13 s
